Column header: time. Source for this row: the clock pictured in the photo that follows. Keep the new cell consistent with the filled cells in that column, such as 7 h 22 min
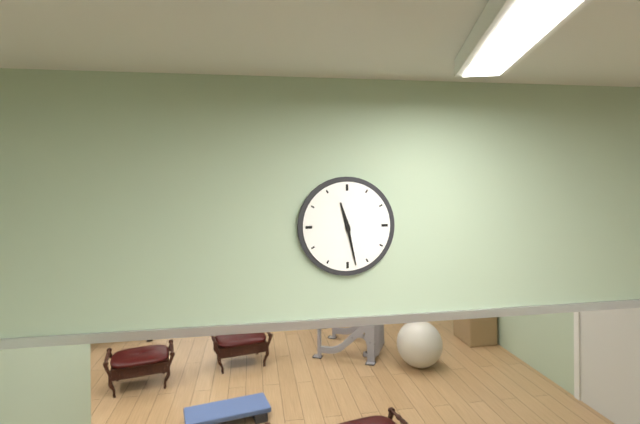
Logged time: 11 h 28 min
